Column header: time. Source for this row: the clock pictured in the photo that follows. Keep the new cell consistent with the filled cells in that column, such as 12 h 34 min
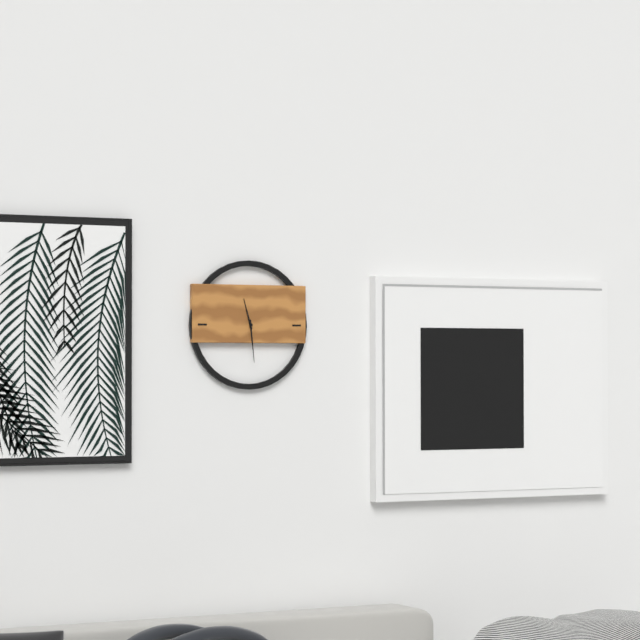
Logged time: 11 h 29 min
